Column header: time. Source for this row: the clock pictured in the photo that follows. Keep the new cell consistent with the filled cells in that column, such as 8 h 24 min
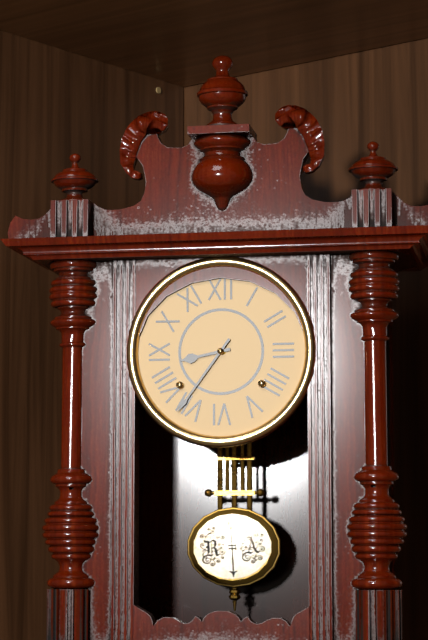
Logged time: 8 h 36 min
